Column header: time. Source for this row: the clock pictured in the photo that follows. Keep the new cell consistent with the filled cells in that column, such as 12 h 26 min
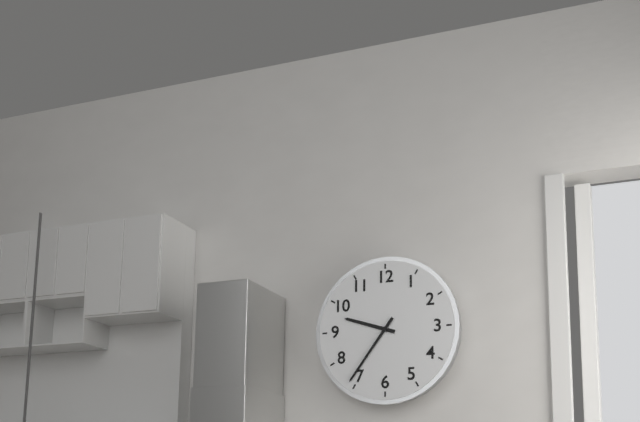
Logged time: 9 h 36 min
